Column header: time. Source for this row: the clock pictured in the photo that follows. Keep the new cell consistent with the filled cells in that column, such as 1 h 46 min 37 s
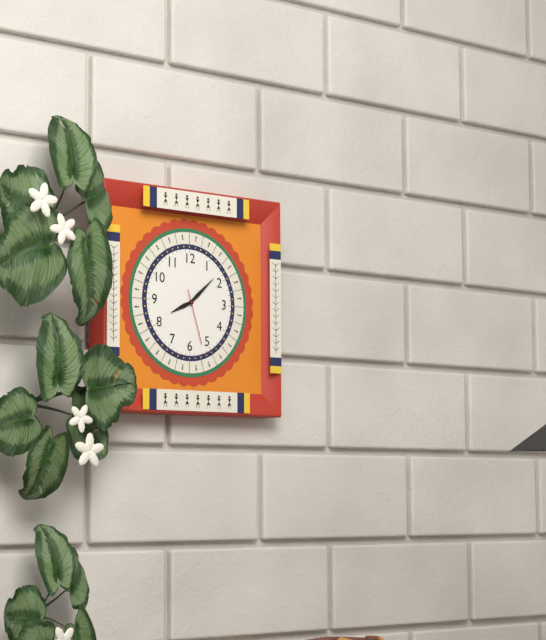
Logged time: 8 h 08 min 27 s
